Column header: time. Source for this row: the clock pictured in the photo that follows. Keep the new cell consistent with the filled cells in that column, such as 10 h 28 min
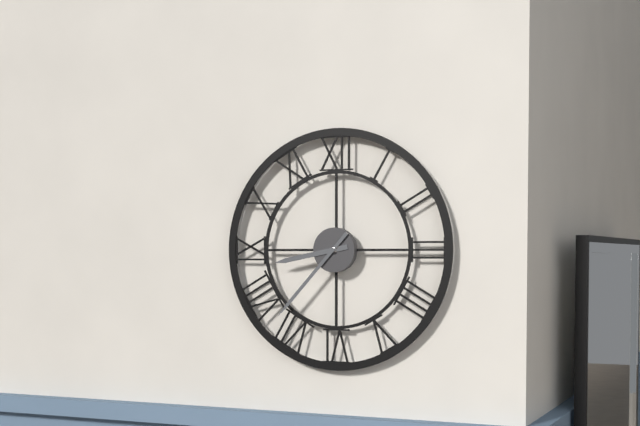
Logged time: 8 h 37 min
